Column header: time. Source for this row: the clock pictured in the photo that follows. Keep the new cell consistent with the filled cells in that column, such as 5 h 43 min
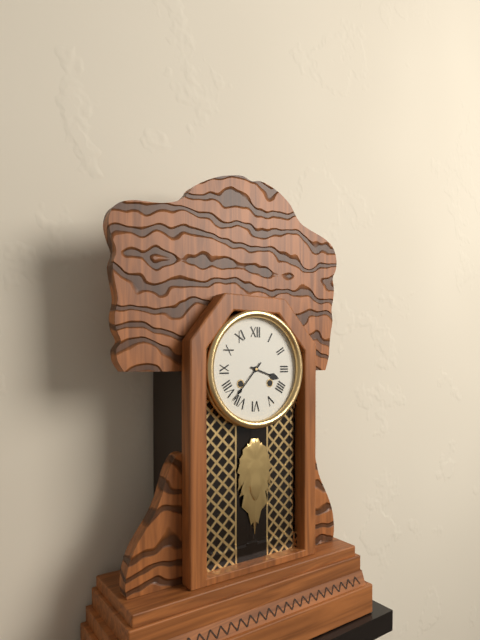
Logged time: 3 h 37 min
